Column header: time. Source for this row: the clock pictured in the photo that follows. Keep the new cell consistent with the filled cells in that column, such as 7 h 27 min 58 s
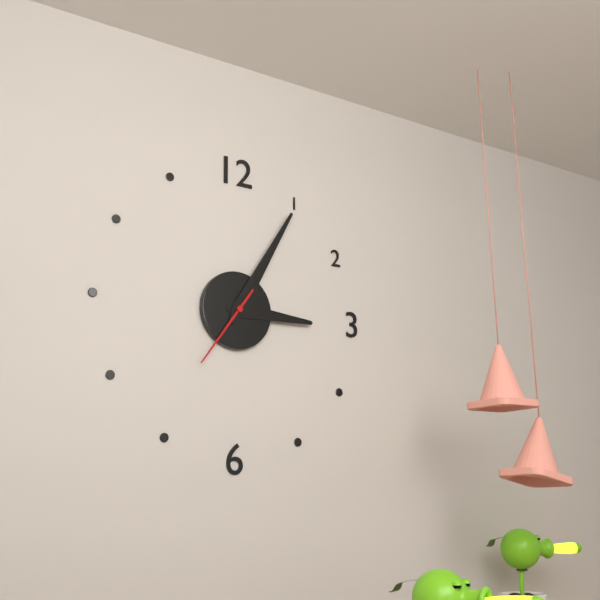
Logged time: 3 h 05 min 36 s
